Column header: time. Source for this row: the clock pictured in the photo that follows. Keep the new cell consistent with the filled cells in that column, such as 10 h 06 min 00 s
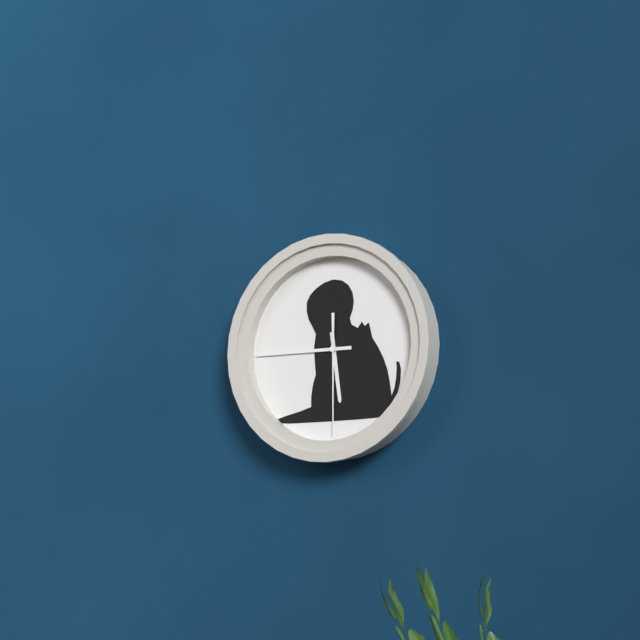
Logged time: 5 h 45 min 30 s
